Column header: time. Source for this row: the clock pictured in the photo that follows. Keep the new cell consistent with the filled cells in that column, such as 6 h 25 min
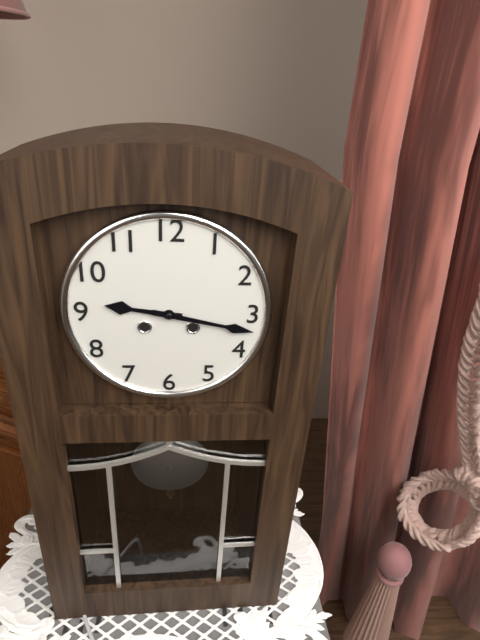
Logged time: 9 h 17 min
